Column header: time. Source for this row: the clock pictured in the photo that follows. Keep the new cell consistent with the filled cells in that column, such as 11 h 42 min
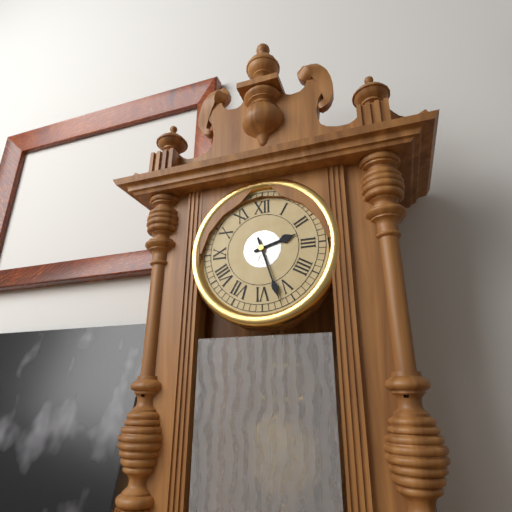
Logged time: 2 h 27 min
